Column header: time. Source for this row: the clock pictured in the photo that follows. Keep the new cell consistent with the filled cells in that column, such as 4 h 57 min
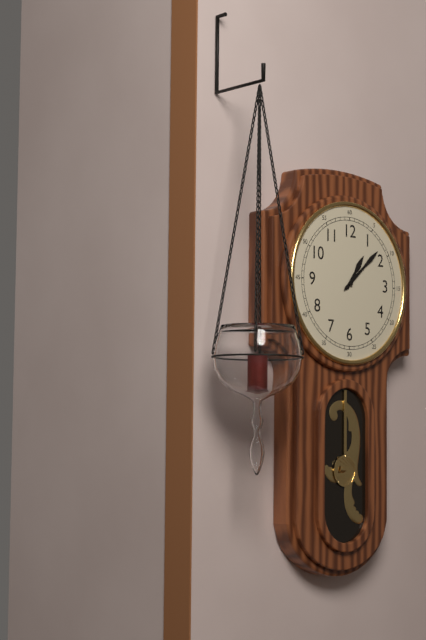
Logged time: 1 h 08 min
